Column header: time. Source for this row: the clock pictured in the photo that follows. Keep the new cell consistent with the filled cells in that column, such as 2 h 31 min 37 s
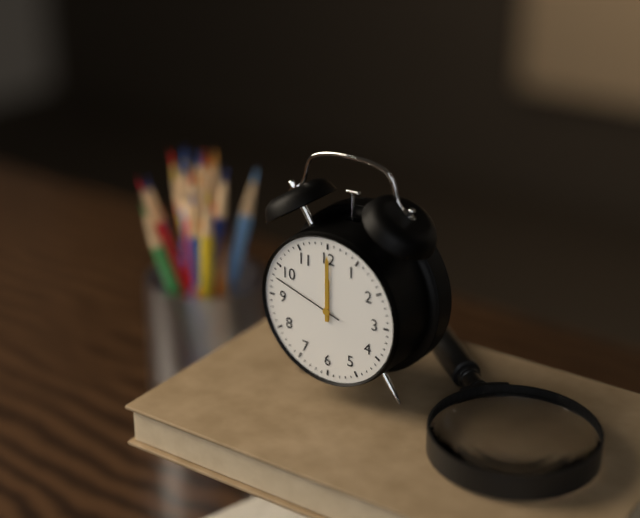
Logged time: 12 h 00 min 48 s
